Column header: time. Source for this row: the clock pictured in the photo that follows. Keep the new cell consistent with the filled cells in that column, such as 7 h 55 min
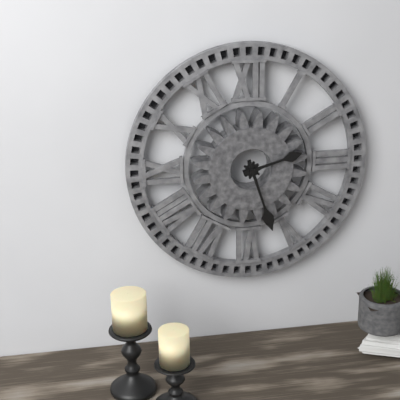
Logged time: 2 h 27 min
